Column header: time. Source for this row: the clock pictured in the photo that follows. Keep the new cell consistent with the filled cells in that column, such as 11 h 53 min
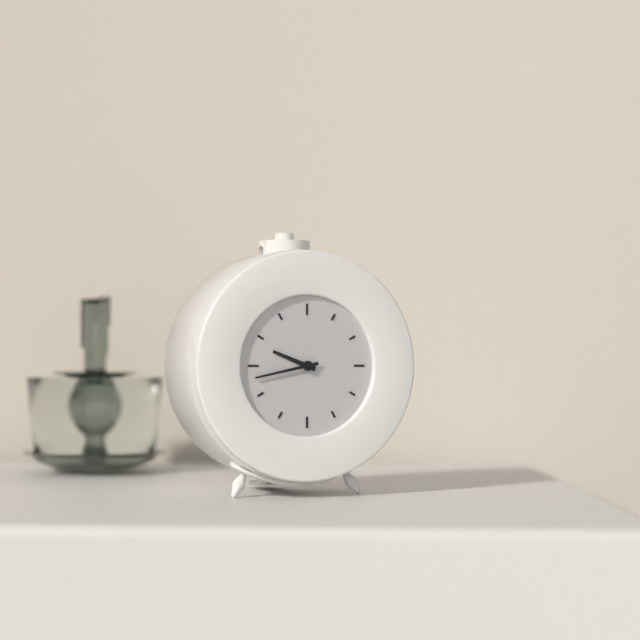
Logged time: 9 h 43 min
